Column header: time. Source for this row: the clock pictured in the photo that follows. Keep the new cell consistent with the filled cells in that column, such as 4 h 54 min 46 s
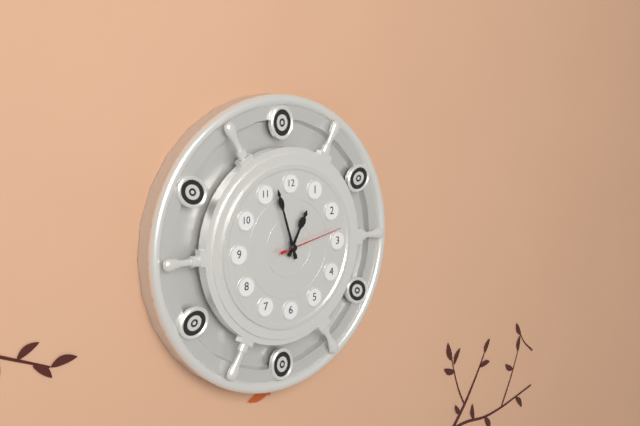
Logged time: 12 h 57 min 13 s
